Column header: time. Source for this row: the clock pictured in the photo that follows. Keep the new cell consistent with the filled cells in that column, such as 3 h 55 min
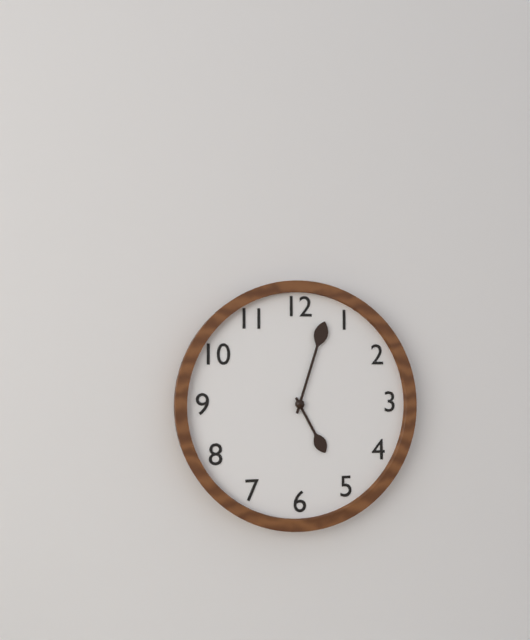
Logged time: 5 h 03 min
